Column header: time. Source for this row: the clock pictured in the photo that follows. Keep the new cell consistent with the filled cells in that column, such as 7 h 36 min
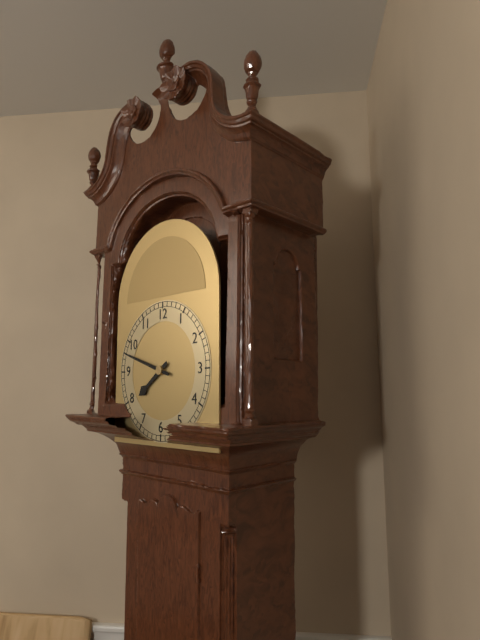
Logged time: 7 h 48 min
